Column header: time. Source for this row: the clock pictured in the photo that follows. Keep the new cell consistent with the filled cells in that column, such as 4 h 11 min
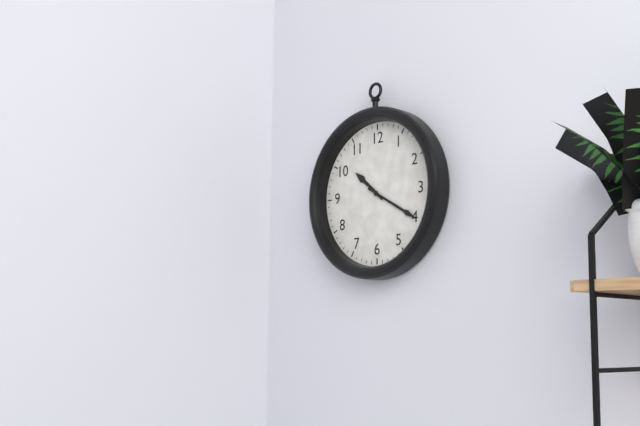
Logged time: 10 h 20 min
